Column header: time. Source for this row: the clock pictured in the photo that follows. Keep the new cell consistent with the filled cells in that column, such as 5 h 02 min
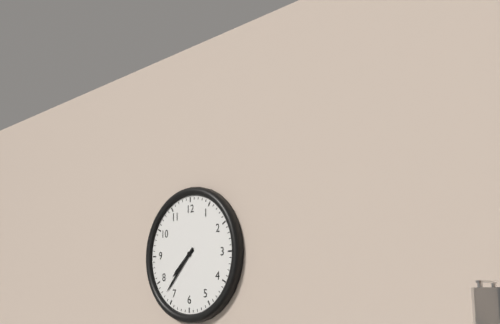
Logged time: 7 h 37 min
